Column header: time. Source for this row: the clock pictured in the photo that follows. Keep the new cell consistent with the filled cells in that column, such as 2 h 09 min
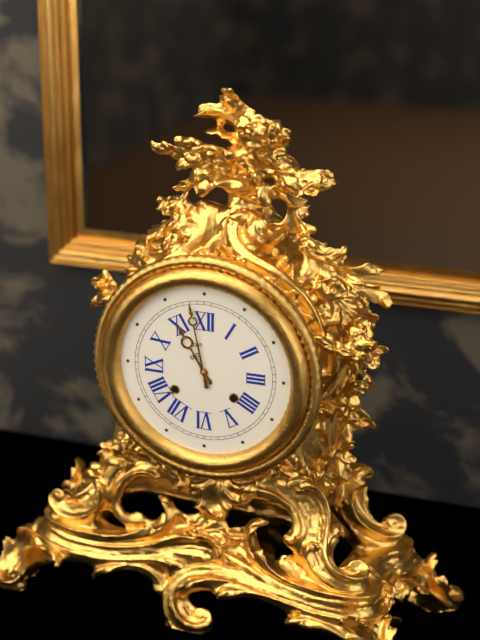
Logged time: 10 h 58 min
